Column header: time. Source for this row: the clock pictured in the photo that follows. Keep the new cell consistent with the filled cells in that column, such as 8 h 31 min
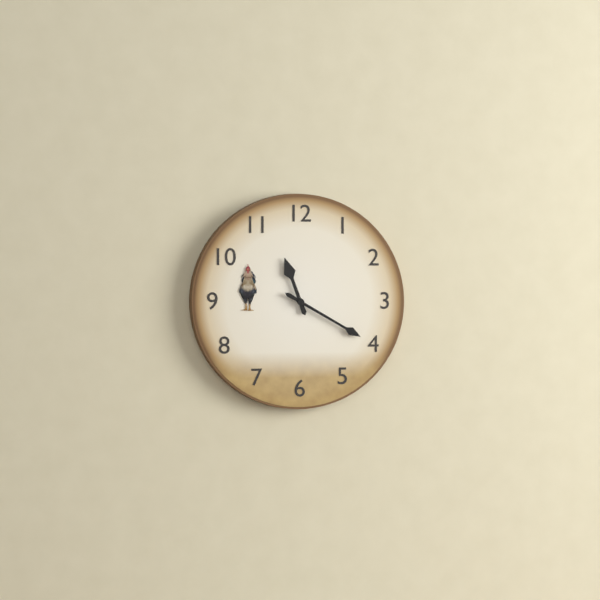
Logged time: 11 h 20 min
